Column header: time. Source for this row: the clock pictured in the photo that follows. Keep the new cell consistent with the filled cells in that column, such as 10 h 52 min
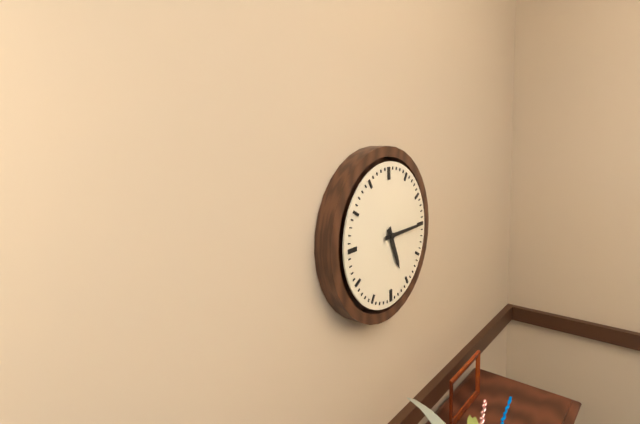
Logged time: 5 h 15 min
